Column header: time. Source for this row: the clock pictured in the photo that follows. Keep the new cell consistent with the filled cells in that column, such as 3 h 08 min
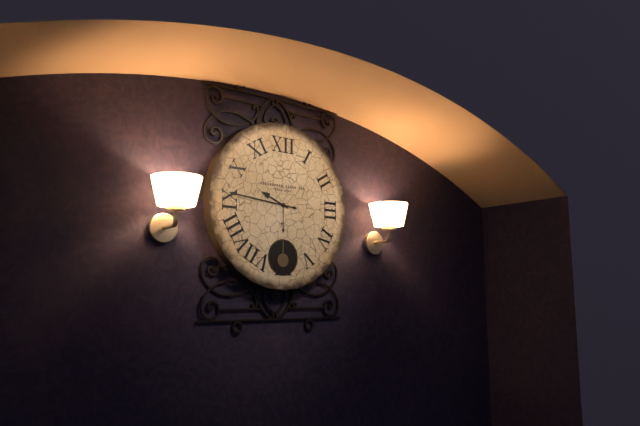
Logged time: 9 h 46 min
